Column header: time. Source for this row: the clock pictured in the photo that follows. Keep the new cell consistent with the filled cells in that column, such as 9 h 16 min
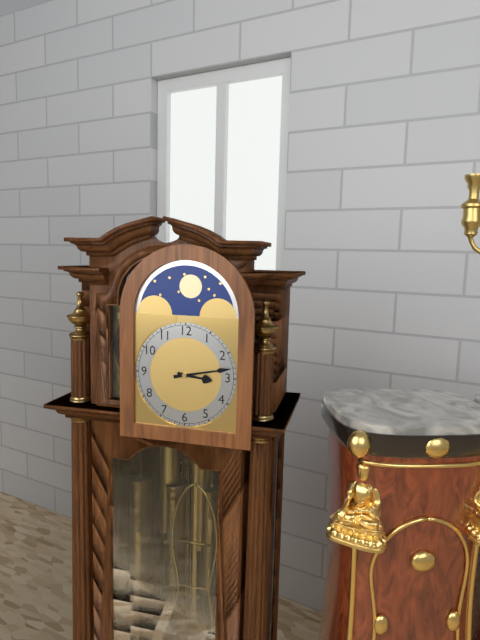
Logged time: 3 h 13 min
